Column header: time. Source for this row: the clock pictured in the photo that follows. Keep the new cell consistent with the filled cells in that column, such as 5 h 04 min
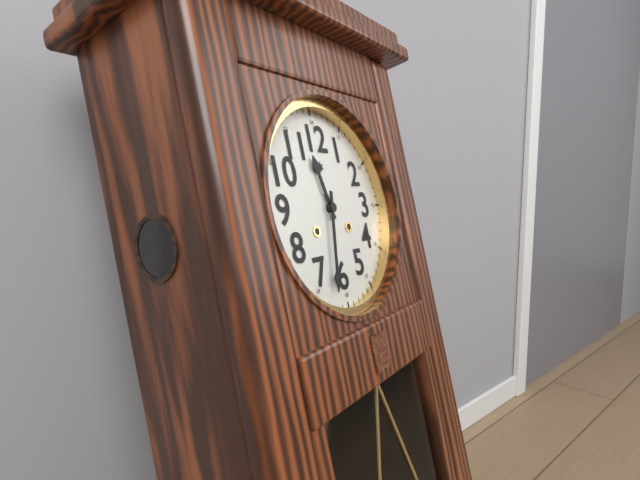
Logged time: 11 h 32 min
